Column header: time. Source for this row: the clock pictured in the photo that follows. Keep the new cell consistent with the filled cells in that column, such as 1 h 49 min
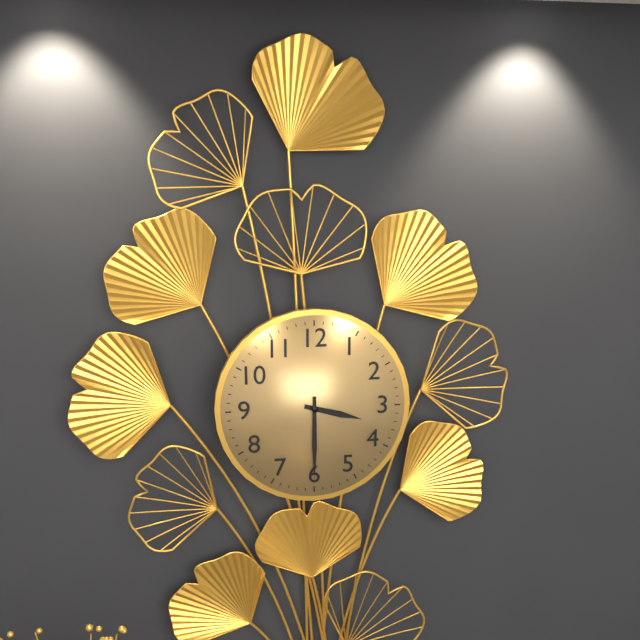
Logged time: 3 h 30 min
